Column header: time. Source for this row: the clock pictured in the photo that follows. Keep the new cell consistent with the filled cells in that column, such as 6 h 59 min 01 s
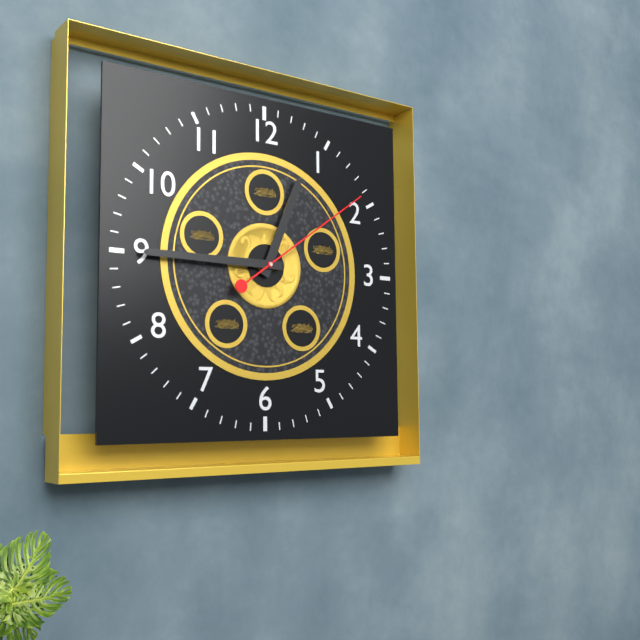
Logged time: 12 h 45 min 09 s
